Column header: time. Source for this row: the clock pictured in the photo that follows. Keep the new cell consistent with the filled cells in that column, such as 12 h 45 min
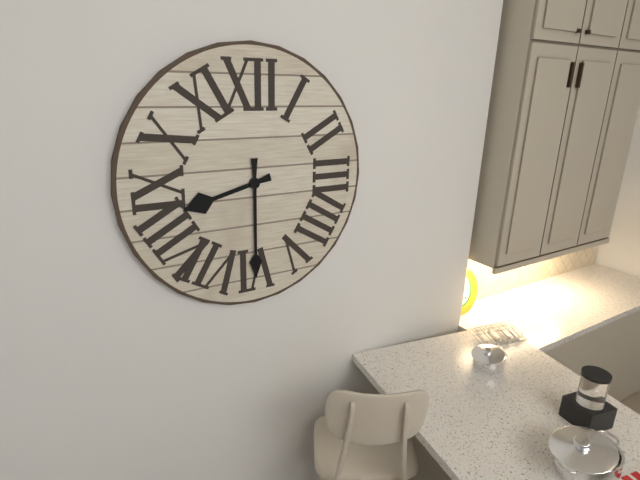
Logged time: 8 h 30 min
